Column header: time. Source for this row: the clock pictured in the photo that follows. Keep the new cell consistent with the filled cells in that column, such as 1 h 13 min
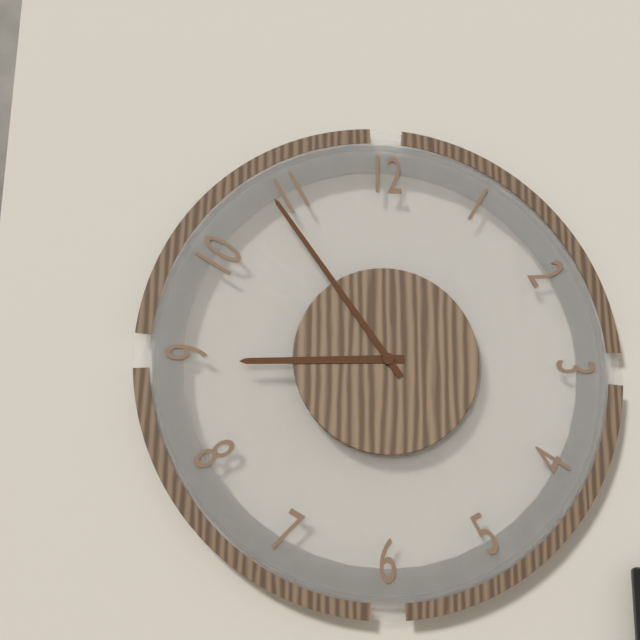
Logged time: 8 h 54 min
